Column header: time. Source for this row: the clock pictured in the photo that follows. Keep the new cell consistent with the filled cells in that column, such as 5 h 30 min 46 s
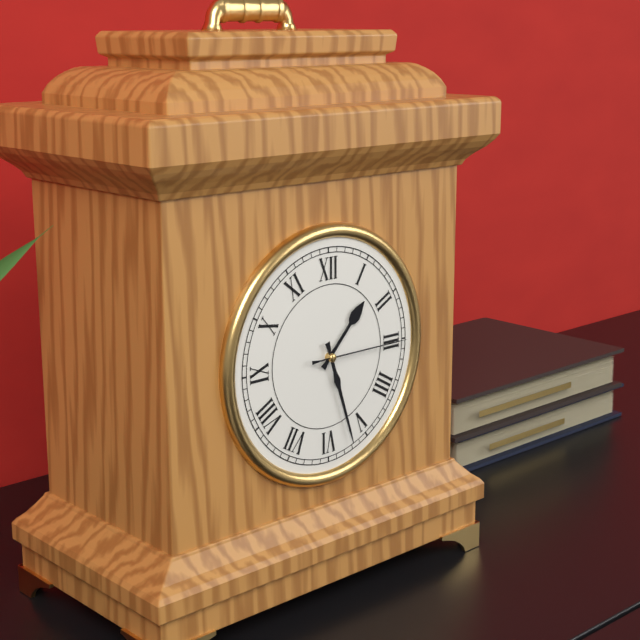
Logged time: 1 h 27 min 15 s
